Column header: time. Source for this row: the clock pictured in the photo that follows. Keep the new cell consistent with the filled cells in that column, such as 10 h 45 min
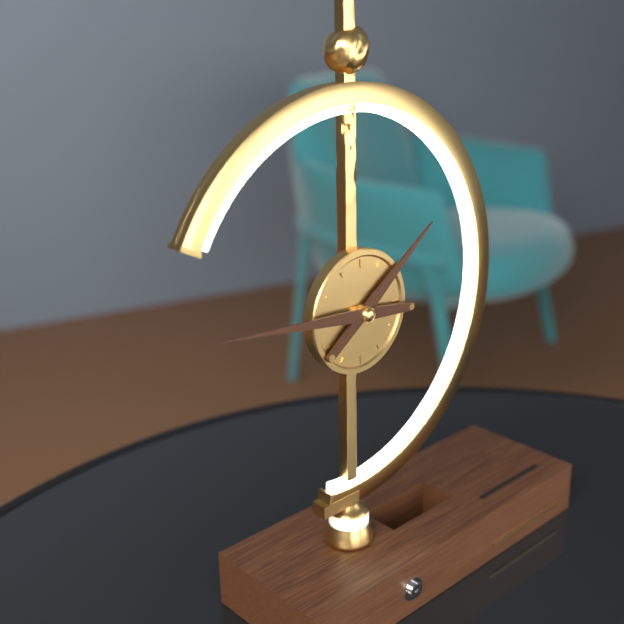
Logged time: 1 h 46 min
